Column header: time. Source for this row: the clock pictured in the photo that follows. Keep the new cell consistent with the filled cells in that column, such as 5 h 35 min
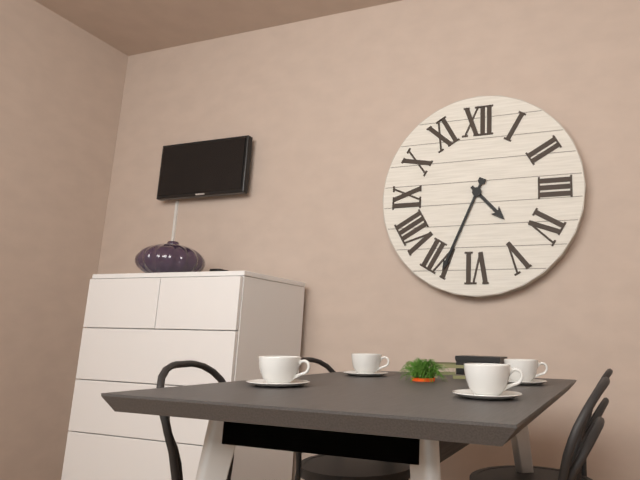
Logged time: 4 h 34 min
